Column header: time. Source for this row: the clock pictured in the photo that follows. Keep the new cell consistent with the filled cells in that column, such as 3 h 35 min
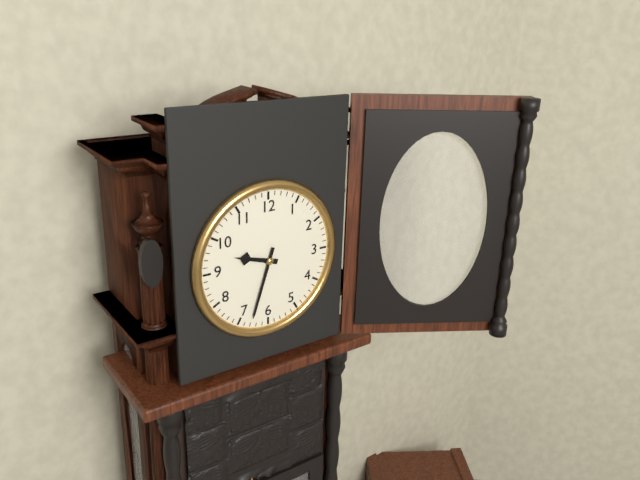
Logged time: 9 h 33 min
